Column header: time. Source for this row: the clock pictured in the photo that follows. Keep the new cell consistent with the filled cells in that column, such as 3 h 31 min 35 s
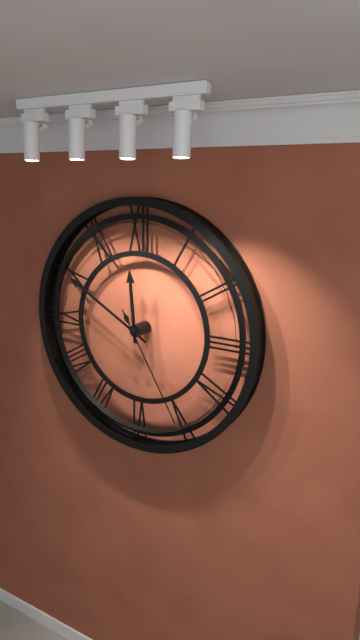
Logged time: 11 h 50 min 25 s
